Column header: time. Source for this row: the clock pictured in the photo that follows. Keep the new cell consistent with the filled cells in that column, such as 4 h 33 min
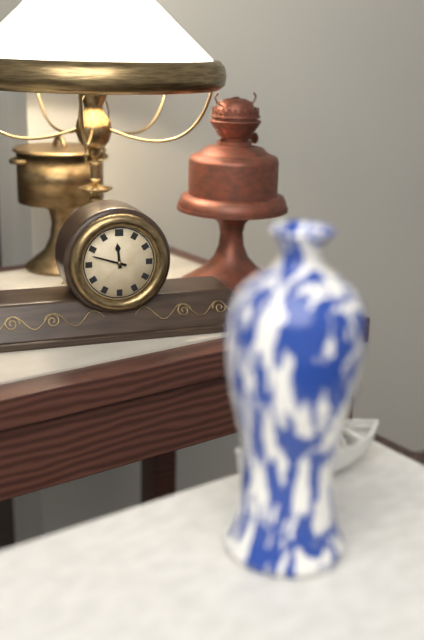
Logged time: 11 h 48 min
